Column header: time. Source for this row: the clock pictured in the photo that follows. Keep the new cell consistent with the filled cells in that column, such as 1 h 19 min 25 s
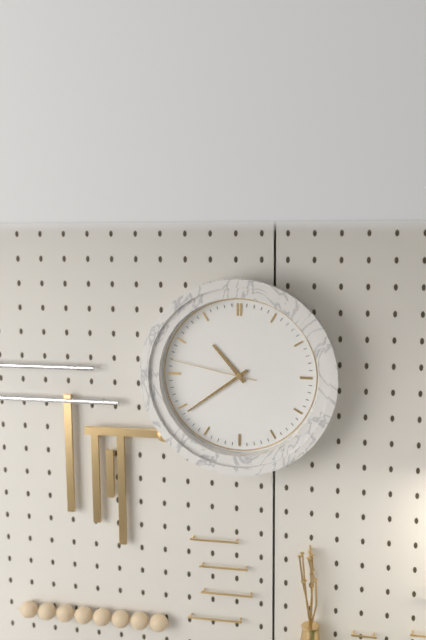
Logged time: 10 h 39 min 47 s
